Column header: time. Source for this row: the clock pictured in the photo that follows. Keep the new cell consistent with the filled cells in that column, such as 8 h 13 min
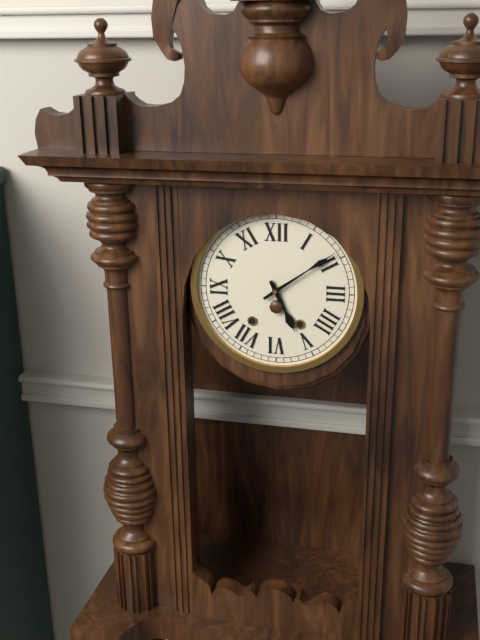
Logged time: 5 h 09 min
